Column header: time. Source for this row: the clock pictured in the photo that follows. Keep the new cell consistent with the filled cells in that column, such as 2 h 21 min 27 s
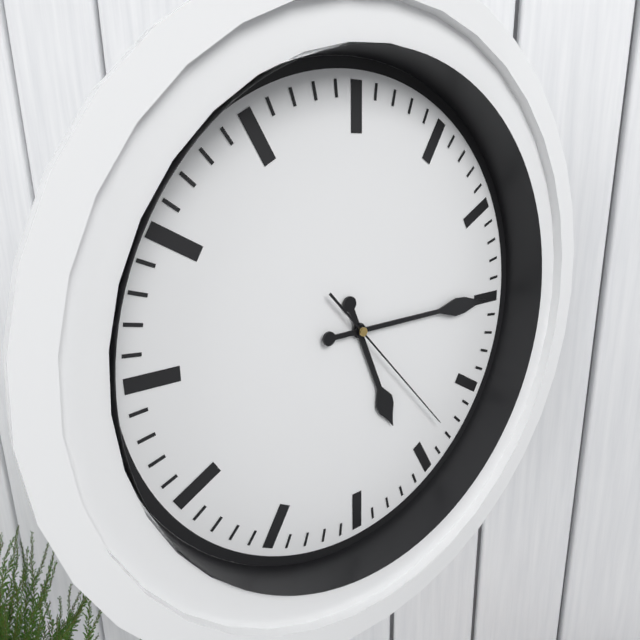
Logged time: 5 h 15 min 23 s
